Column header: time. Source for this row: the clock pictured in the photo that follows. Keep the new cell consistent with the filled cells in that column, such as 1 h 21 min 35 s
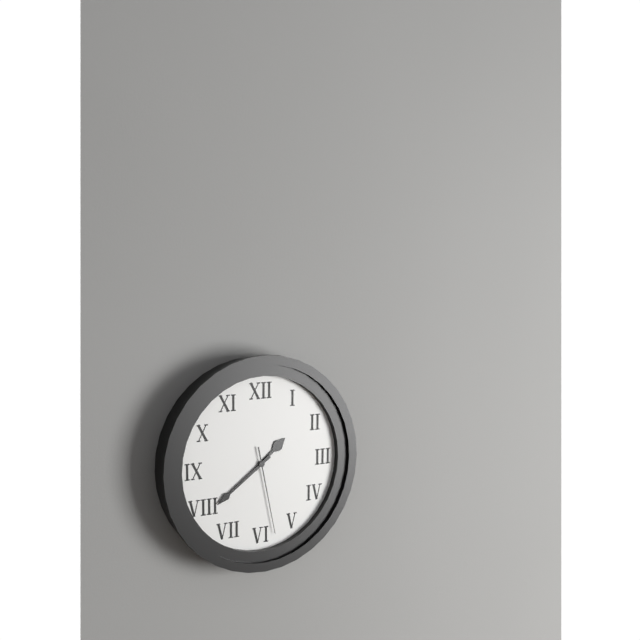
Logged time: 1 h 39 min 28 s
